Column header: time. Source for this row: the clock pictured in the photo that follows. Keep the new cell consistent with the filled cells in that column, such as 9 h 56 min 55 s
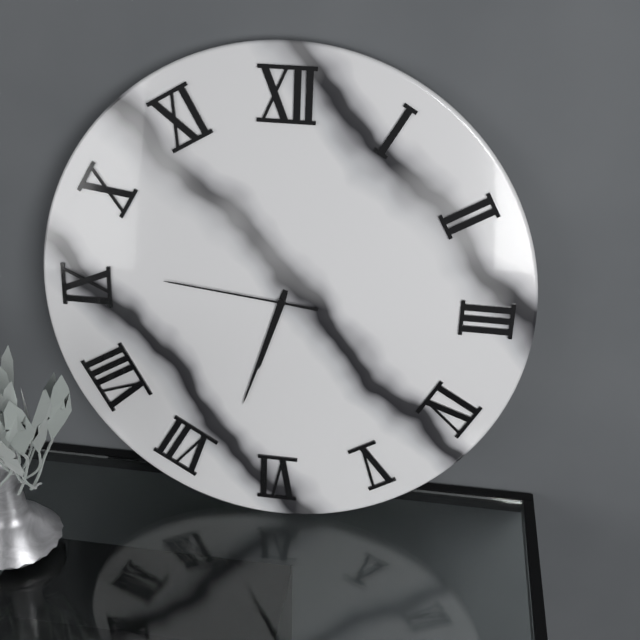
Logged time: 6 h 33 min 46 s
